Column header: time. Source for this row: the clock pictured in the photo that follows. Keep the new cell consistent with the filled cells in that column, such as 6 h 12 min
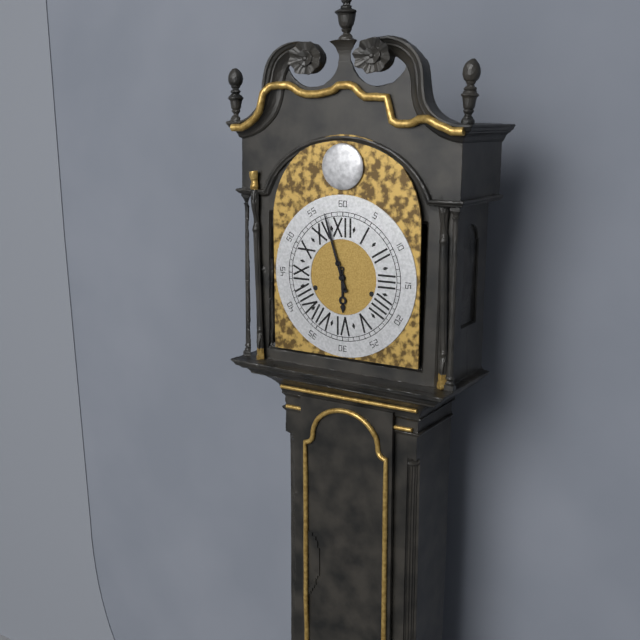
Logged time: 5 h 57 min
